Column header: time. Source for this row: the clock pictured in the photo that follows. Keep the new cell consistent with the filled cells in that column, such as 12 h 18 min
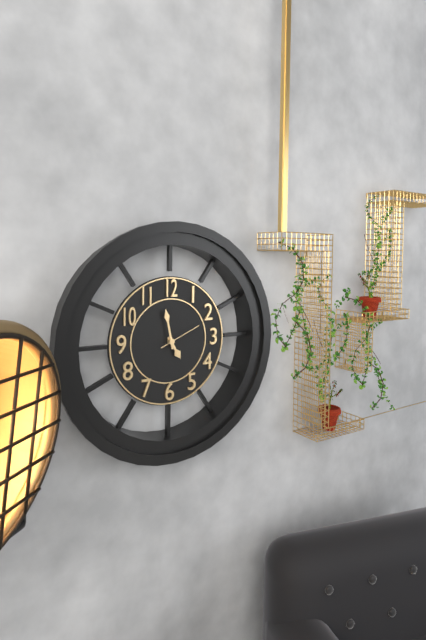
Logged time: 4 h 58 min
